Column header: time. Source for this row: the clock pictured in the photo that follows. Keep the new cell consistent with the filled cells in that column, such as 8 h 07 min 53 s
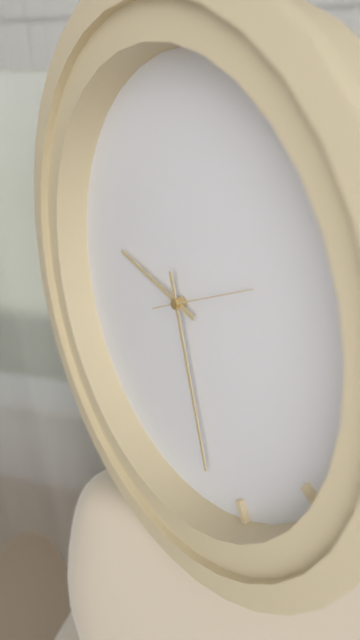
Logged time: 9 h 27 min 11 s
